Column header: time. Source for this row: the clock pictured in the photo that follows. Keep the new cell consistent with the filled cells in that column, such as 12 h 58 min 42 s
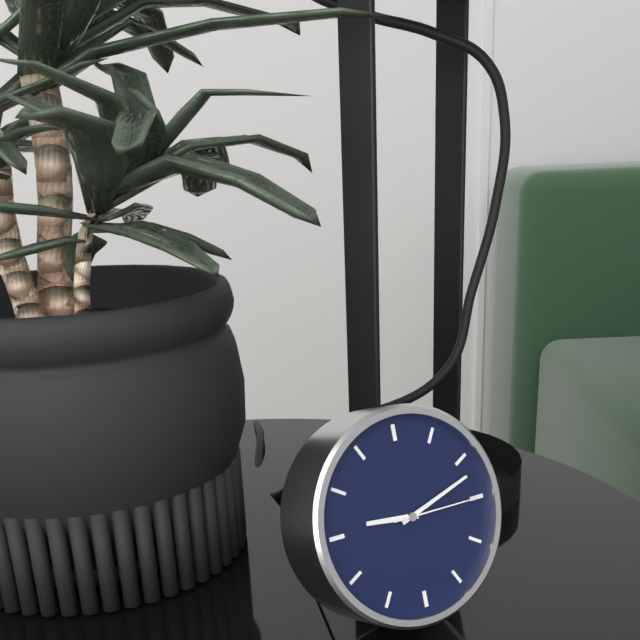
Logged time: 9 h 12 min 15 s
